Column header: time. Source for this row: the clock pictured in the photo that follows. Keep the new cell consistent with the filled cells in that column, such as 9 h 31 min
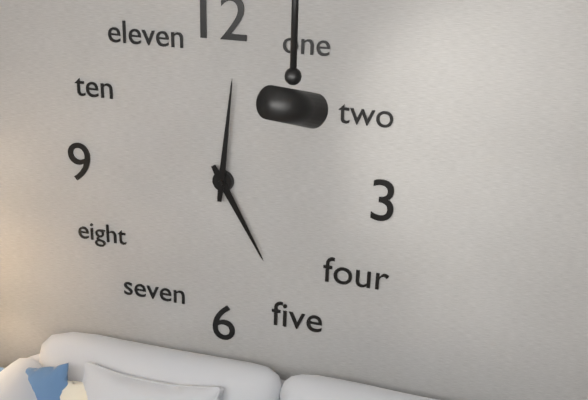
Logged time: 5 h 01 min
